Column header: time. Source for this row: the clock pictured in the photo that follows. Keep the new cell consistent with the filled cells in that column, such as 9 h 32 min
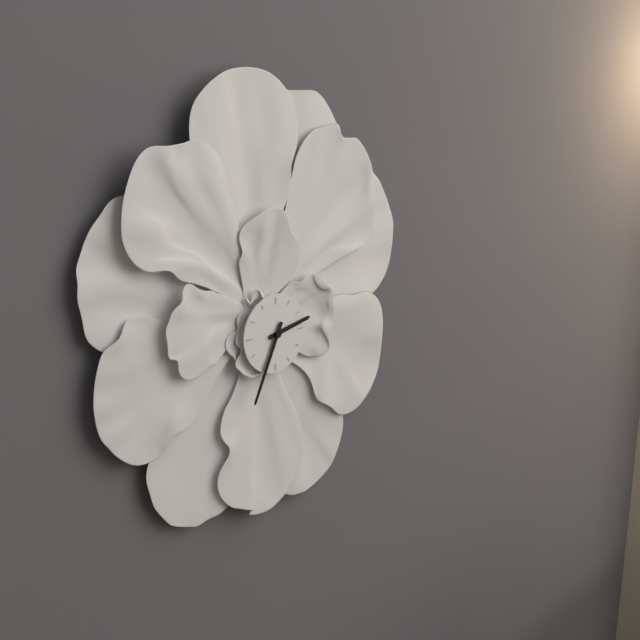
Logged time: 2 h 34 min
